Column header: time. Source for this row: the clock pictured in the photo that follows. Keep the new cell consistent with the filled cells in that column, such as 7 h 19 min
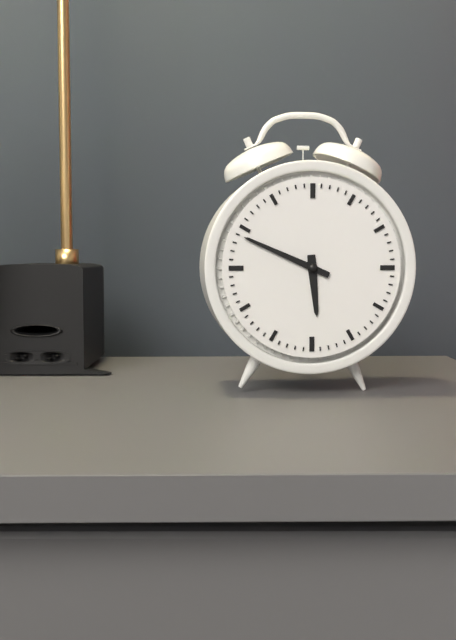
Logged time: 5 h 49 min
